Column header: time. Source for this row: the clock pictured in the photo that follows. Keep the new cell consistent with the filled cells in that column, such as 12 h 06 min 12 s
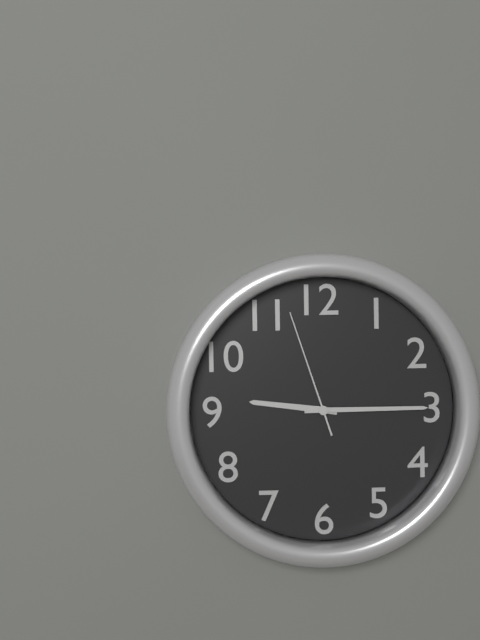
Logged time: 9 h 15 min 57 s
